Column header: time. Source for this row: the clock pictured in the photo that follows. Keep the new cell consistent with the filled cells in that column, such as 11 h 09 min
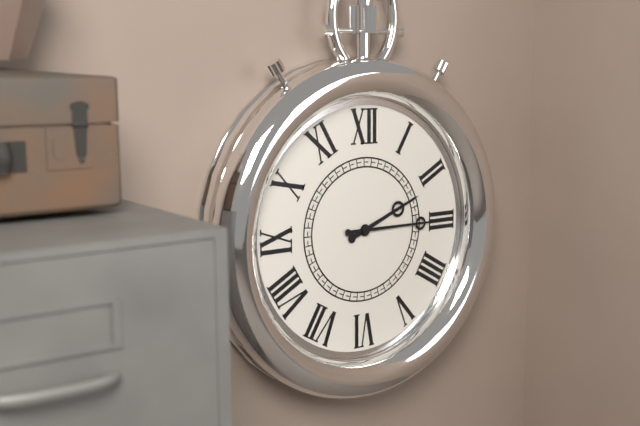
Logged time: 2 h 15 min
